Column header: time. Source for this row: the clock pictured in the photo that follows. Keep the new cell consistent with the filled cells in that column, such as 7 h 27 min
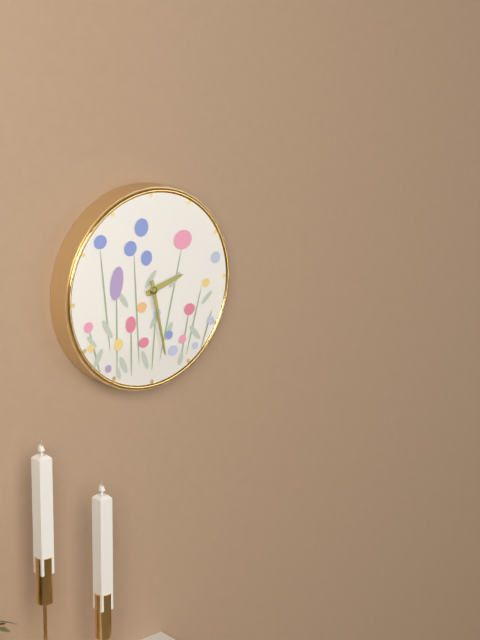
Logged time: 2 h 28 min
